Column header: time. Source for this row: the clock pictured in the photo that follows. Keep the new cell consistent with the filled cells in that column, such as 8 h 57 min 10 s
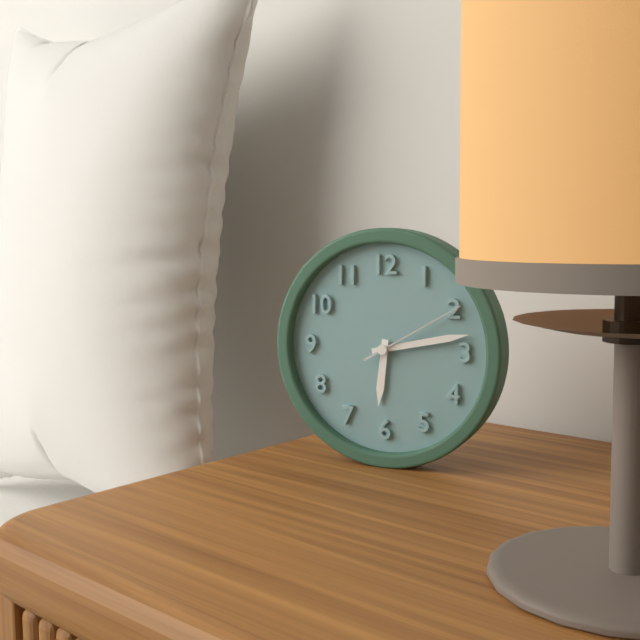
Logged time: 6 h 13 min 10 s
